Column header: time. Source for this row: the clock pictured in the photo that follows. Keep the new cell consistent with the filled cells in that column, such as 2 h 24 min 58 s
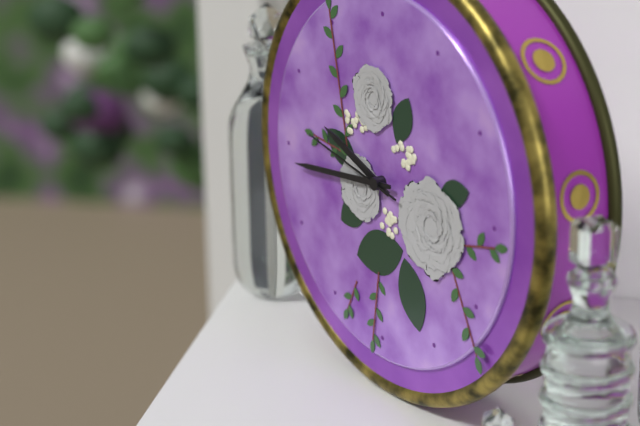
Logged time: 9 h 44 min 47 s
